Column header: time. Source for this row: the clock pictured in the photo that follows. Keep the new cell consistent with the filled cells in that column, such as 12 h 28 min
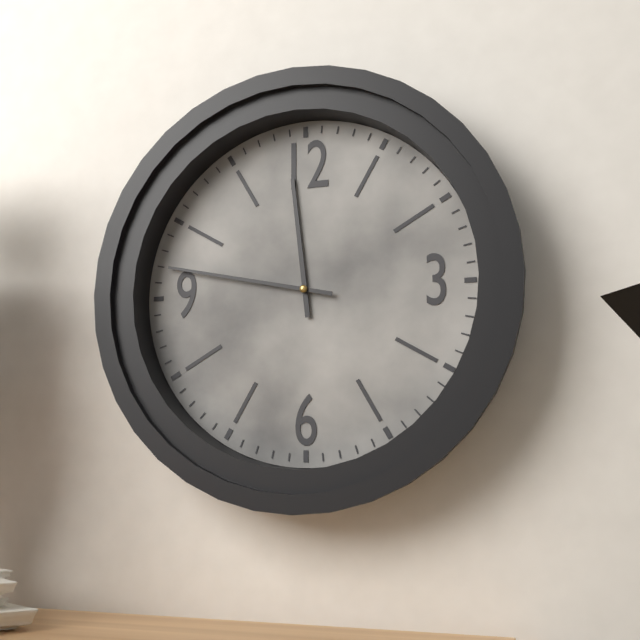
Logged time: 11 h 47 min
